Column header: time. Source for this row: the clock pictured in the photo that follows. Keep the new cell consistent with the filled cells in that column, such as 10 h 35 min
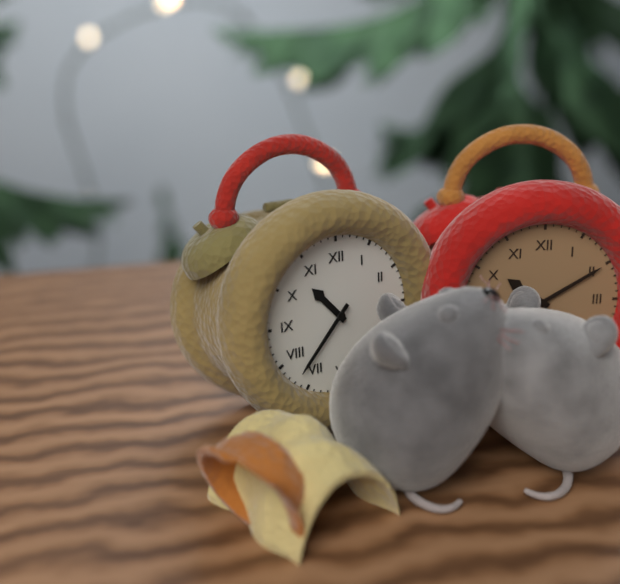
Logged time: 10 h 37 min
